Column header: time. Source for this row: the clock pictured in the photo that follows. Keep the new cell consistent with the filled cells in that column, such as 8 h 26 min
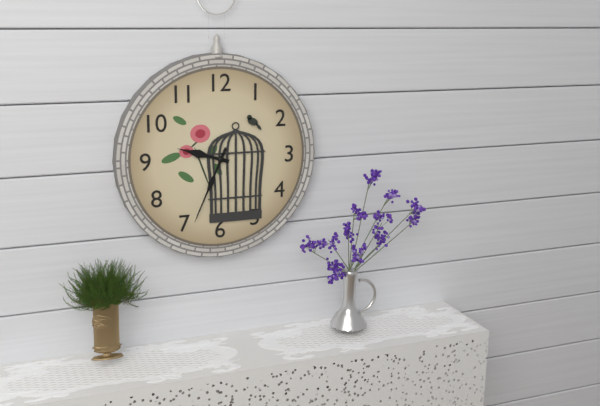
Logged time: 9 h 34 min
